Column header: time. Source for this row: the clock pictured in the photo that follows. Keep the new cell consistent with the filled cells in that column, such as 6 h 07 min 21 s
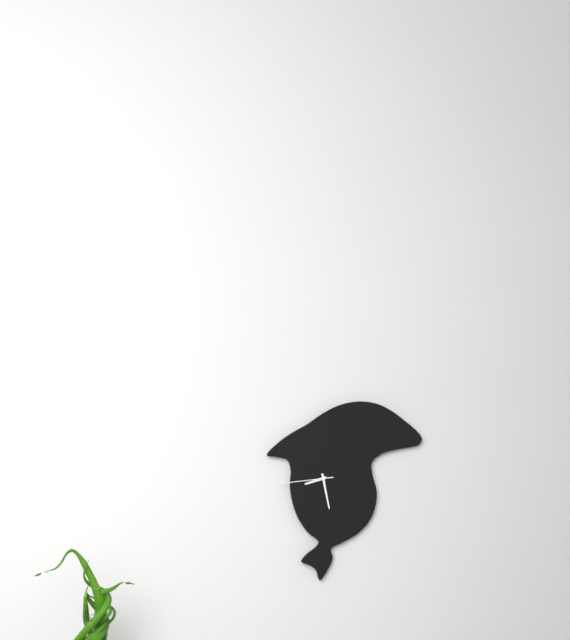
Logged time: 8 h 28 min 44 s
